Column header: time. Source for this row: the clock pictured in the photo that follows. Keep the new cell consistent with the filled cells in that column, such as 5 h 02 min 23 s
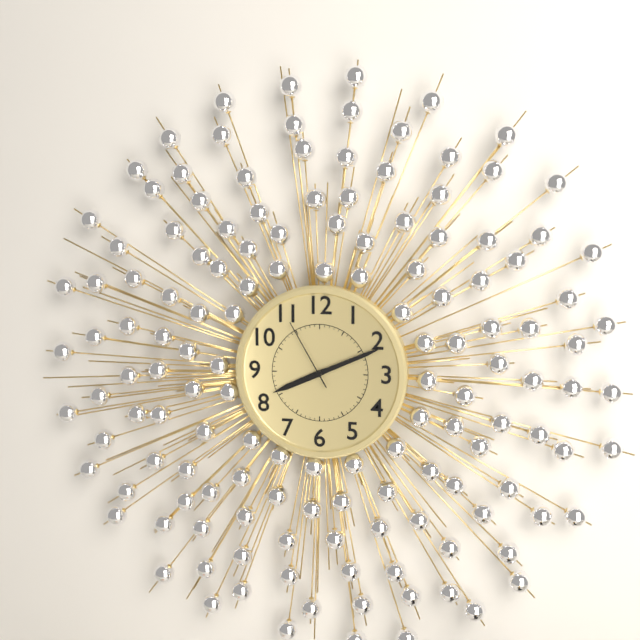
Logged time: 8 h 11 min 55 s
